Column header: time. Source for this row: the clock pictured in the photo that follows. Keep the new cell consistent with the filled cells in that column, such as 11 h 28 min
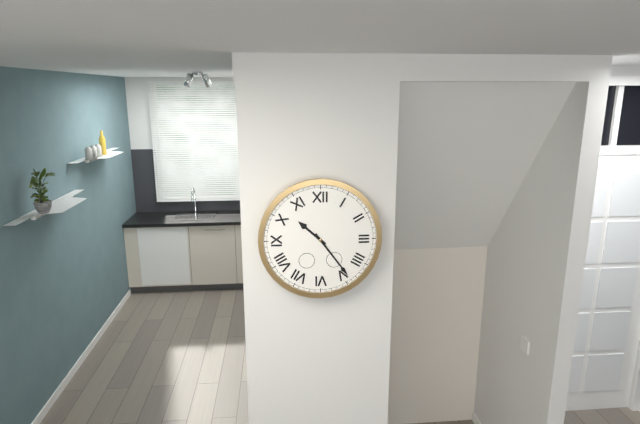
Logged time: 10 h 24 min
